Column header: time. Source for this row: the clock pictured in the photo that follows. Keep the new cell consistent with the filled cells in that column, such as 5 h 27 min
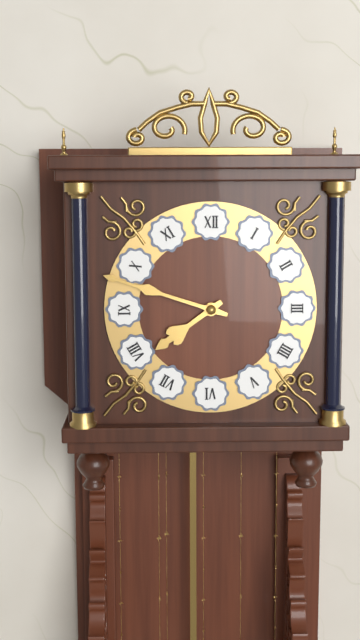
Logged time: 7 h 48 min
